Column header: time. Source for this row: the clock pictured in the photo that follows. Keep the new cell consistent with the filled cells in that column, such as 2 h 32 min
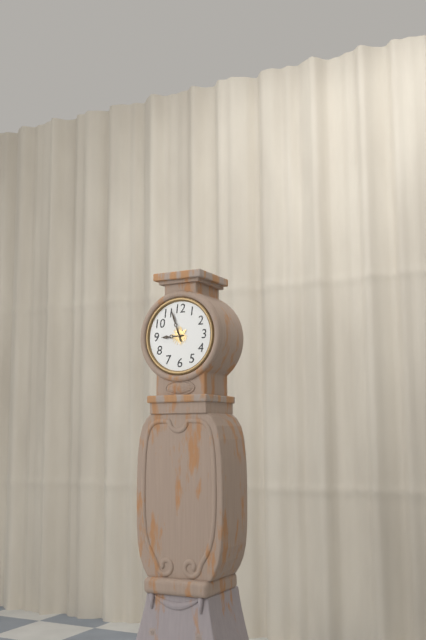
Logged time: 8 h 57 min
